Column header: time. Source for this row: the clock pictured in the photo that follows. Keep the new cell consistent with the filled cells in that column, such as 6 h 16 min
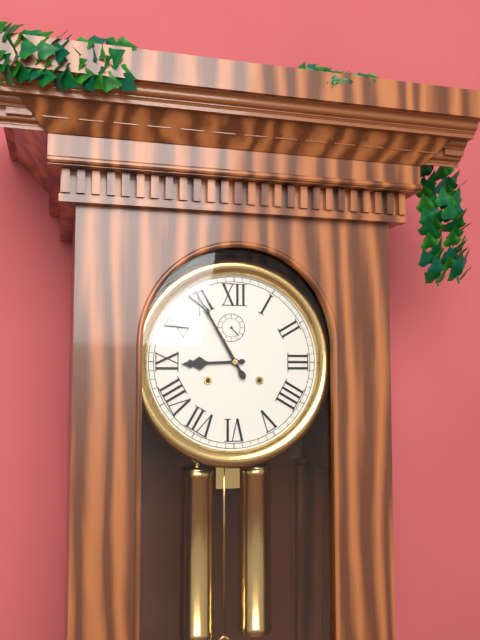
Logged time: 8 h 55 min
